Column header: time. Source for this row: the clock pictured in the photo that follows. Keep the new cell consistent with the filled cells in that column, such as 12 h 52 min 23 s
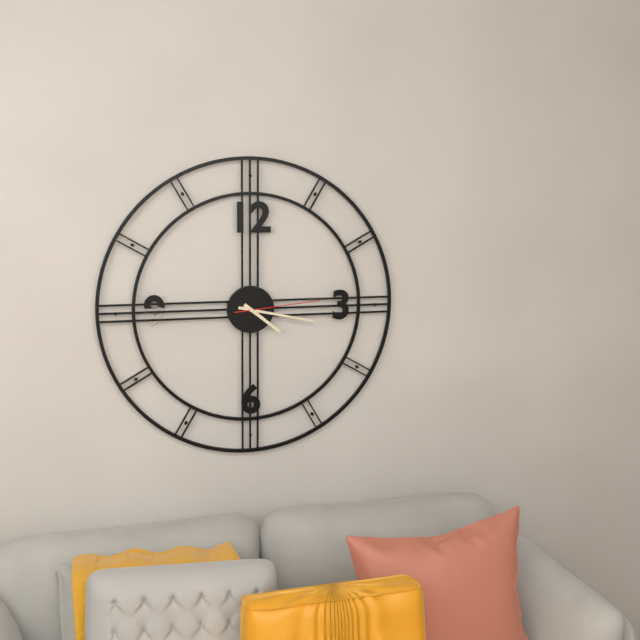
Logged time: 4 h 17 min 14 s
